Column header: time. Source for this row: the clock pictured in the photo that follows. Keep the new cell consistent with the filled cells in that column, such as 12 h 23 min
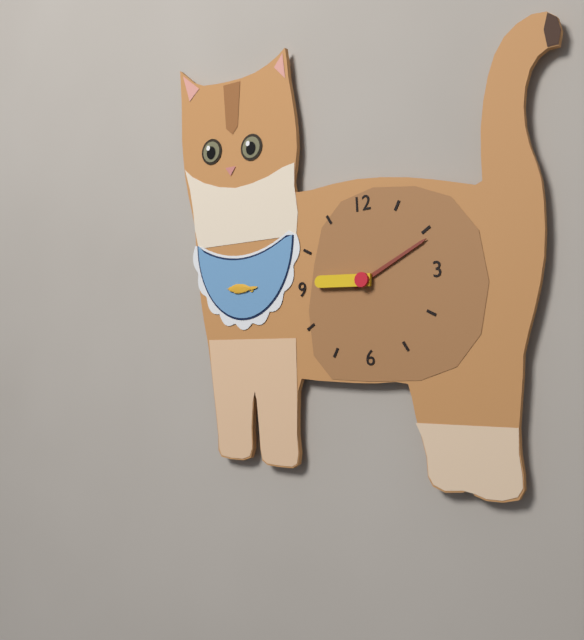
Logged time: 9 h 11 min
